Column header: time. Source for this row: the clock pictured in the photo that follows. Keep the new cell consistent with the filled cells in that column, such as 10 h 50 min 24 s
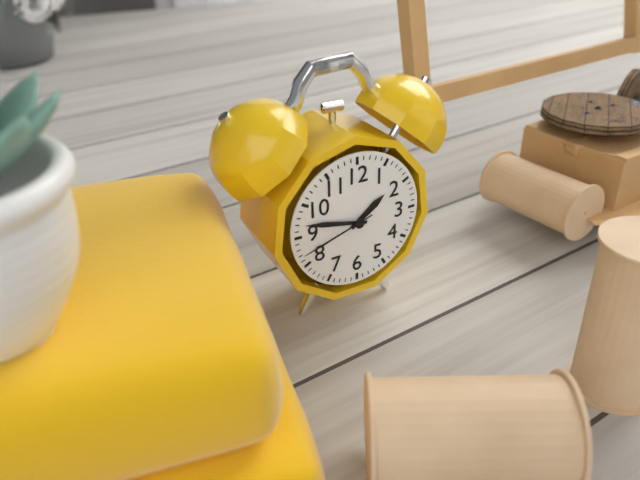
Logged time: 1 h 47 min 42 s
